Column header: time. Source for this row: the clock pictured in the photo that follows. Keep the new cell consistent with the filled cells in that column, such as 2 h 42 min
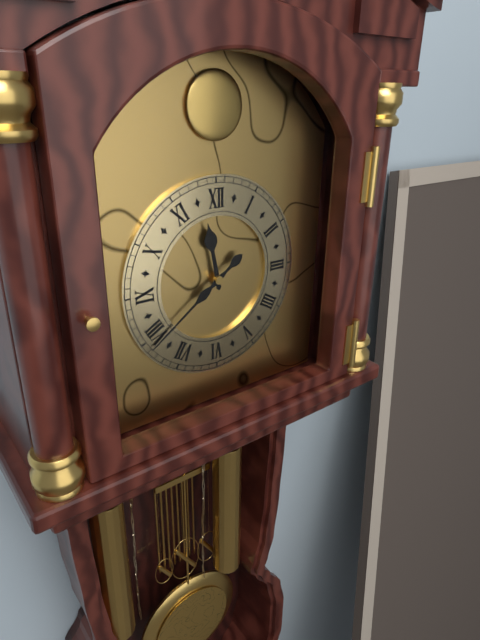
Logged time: 11 h 39 min
